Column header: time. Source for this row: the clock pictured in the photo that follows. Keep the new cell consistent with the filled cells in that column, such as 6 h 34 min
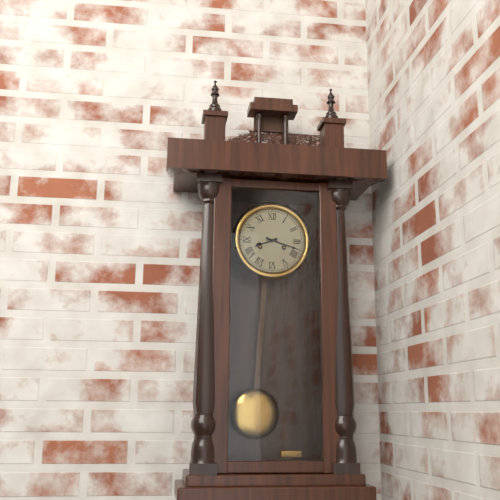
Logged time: 8 h 18 min
